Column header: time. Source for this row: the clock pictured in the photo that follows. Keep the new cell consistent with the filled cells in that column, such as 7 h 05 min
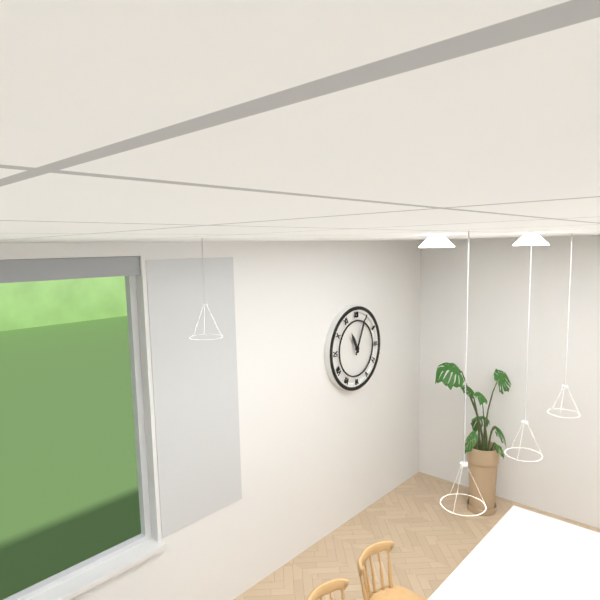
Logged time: 11 h 04 min
